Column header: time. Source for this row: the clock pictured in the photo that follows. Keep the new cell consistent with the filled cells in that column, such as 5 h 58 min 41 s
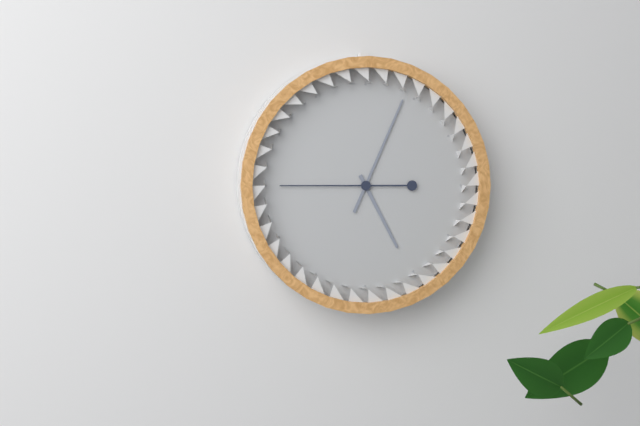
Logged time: 5 h 04 min 45 s
